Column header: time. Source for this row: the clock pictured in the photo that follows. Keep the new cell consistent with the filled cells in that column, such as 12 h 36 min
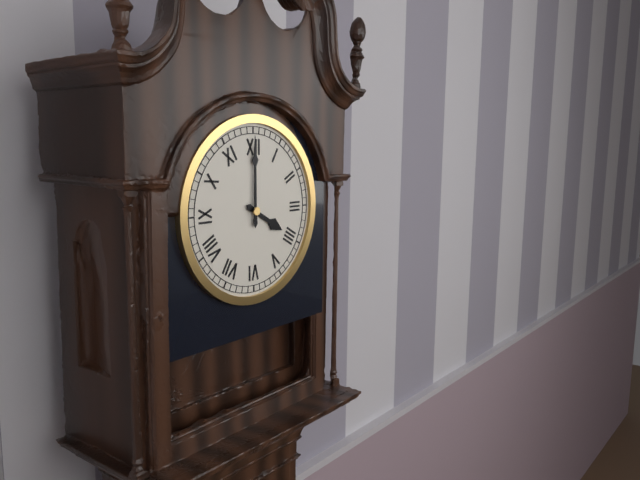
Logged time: 4 h 00 min
